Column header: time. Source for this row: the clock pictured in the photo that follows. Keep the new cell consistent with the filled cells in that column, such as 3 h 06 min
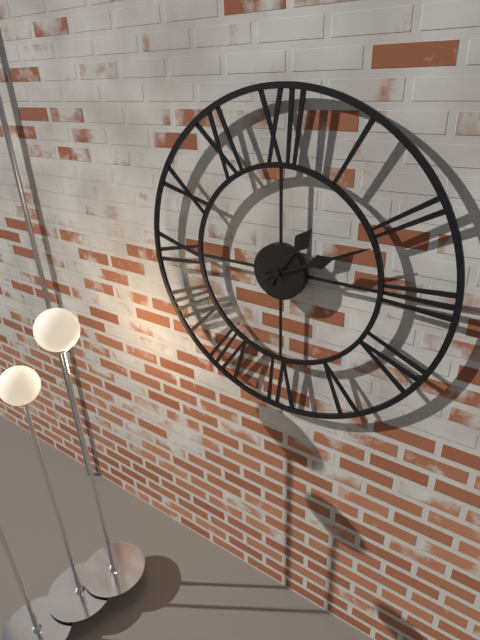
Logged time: 1 h 11 min
